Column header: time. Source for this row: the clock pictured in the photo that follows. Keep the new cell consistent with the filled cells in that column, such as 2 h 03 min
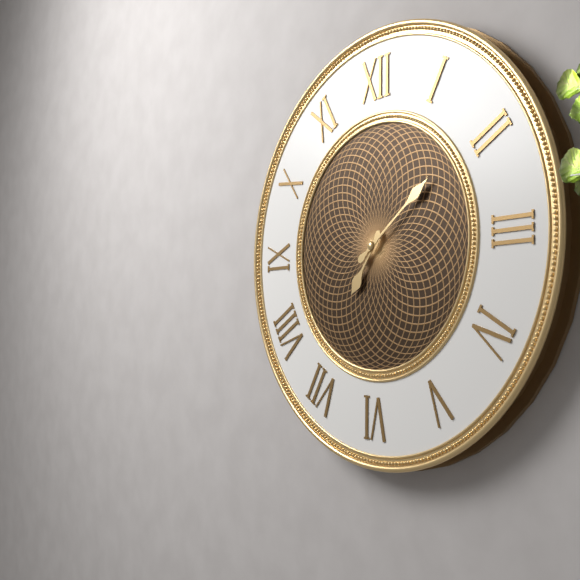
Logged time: 7 h 09 min
